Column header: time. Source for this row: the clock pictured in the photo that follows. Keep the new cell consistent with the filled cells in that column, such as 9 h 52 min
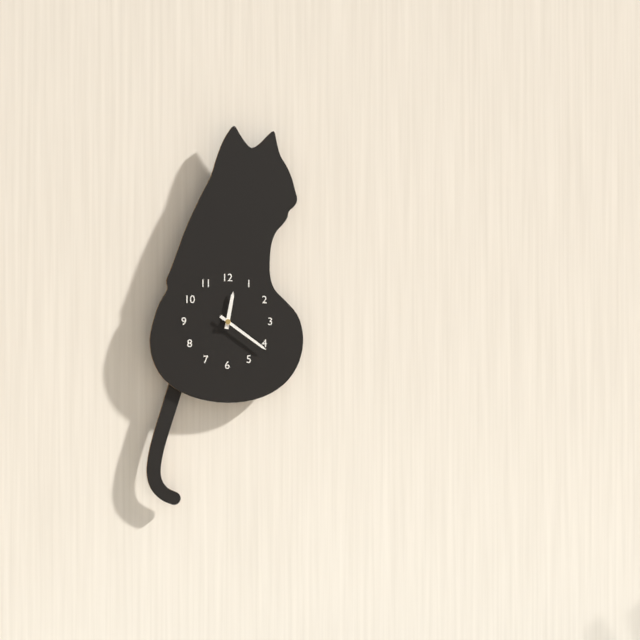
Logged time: 12 h 21 min
